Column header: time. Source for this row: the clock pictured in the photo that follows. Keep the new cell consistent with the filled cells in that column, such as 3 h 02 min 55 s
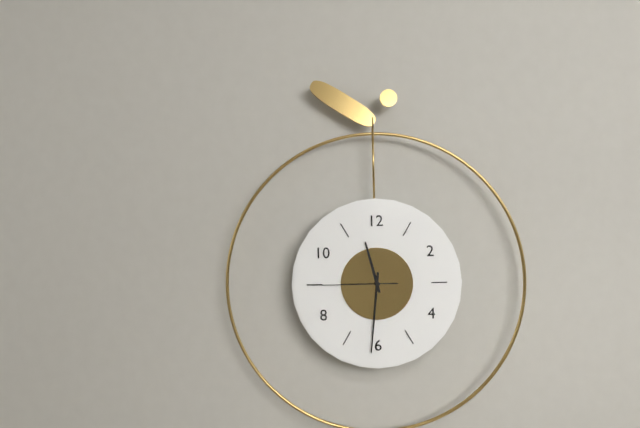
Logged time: 11 h 31 min 45 s
